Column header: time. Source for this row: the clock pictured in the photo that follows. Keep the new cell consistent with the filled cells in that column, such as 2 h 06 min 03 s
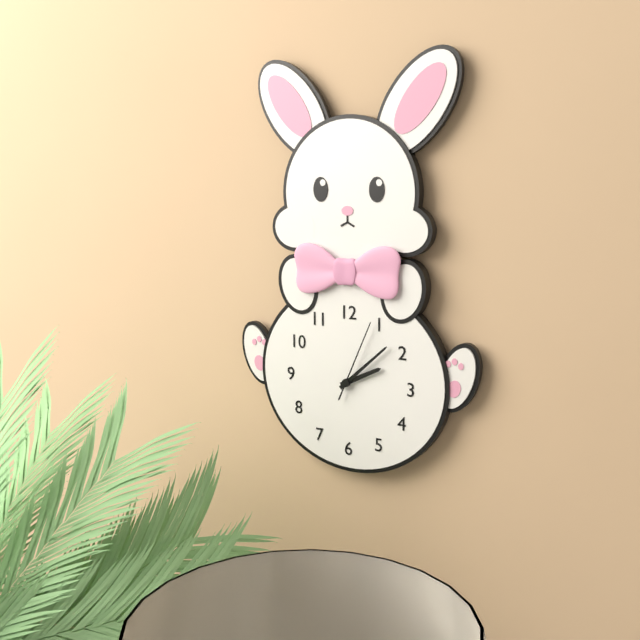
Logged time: 2 h 08 min 04 s
